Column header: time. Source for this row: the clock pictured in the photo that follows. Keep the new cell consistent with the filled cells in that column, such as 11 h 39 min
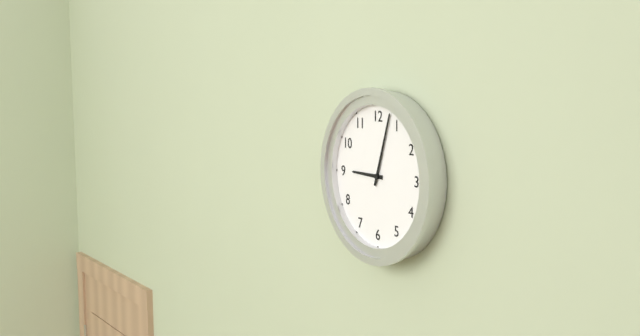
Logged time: 9 h 03 min
